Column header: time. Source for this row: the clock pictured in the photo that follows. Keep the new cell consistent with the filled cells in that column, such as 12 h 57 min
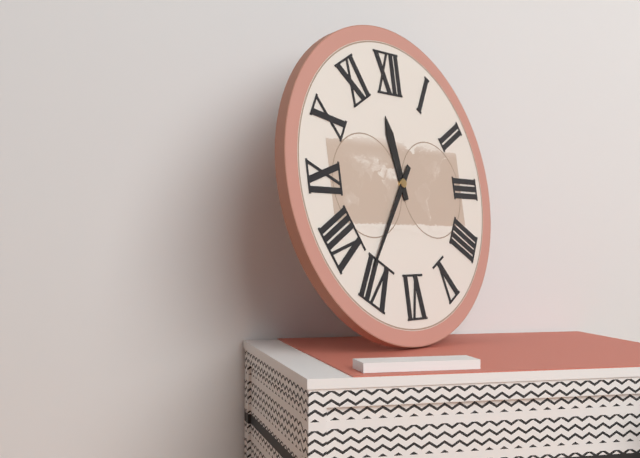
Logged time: 11 h 36 min
